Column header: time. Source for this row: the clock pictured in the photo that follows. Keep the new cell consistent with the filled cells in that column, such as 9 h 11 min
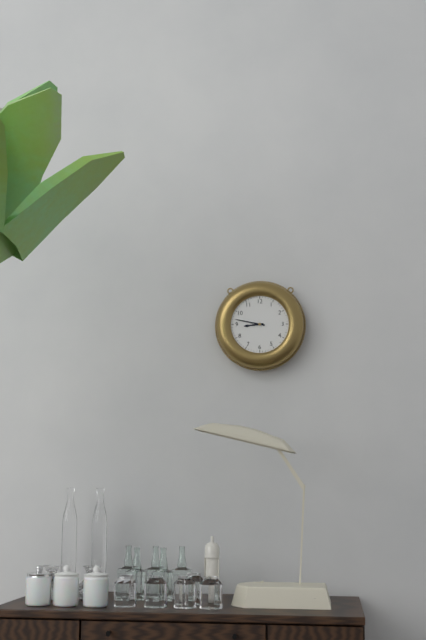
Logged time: 8 h 47 min
